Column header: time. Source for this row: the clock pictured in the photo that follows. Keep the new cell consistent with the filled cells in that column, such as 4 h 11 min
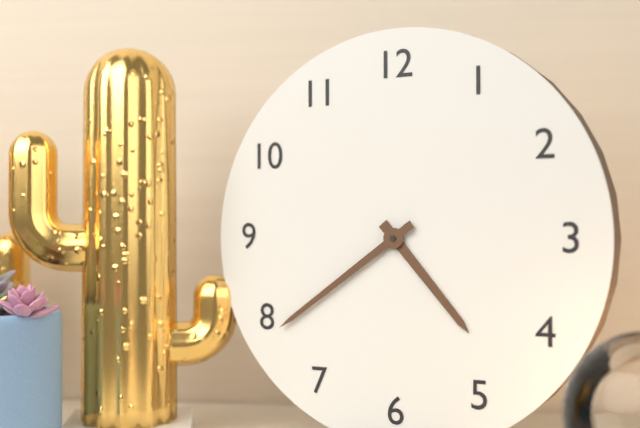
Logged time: 4 h 39 min
